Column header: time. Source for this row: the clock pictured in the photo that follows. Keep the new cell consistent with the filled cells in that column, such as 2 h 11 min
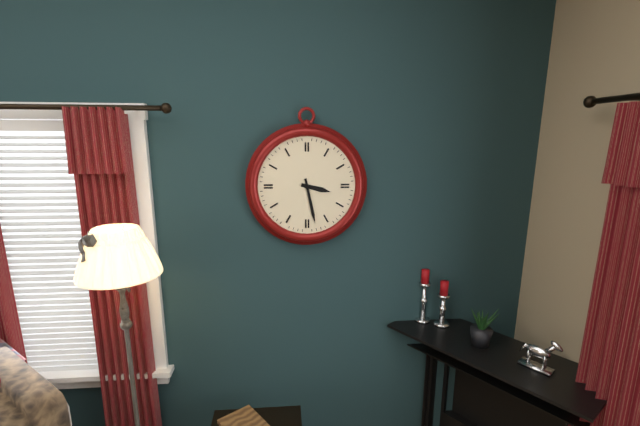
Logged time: 3 h 28 min
